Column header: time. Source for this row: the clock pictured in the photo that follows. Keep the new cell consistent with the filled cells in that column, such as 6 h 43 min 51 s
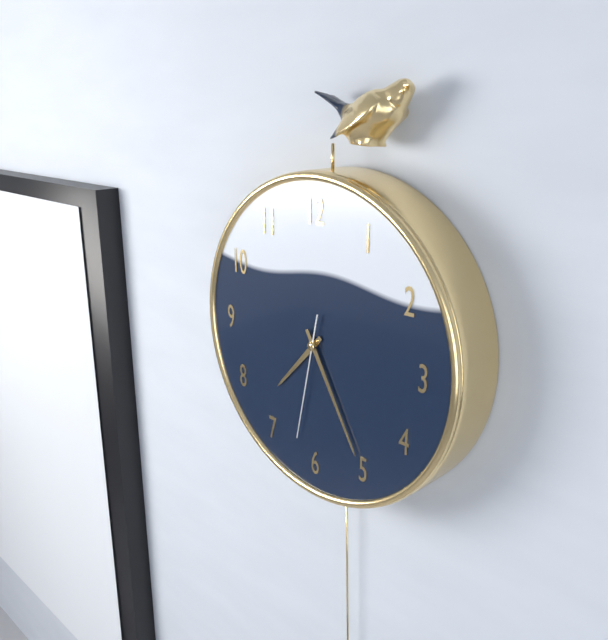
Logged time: 7 h 25 min 32 s
